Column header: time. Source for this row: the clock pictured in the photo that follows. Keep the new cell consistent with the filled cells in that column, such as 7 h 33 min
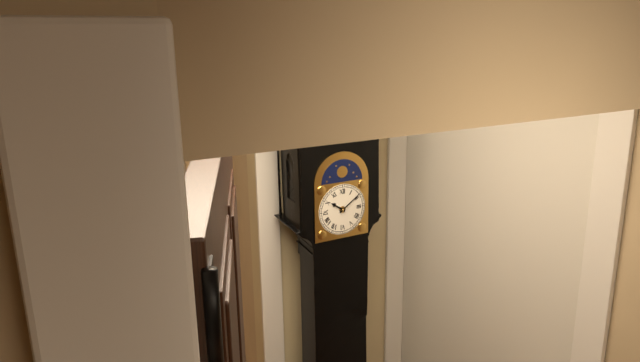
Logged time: 10 h 09 min
